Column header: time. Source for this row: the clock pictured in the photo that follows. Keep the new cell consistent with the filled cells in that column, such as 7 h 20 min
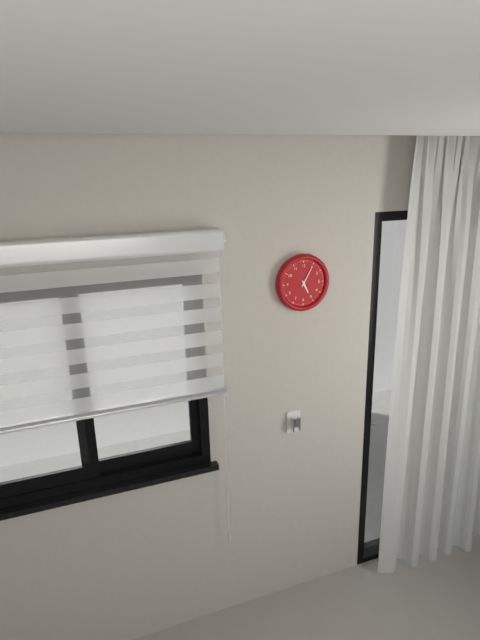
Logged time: 5 h 05 min
